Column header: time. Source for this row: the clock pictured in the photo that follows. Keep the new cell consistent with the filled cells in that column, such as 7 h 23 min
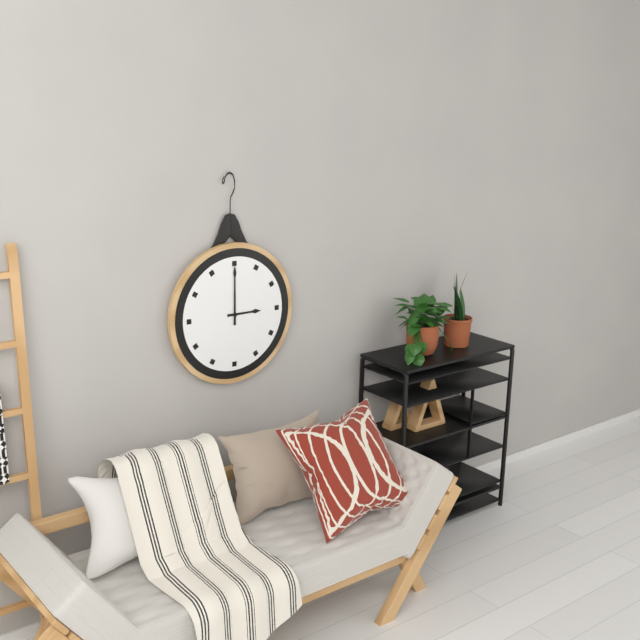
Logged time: 3 h 00 min
